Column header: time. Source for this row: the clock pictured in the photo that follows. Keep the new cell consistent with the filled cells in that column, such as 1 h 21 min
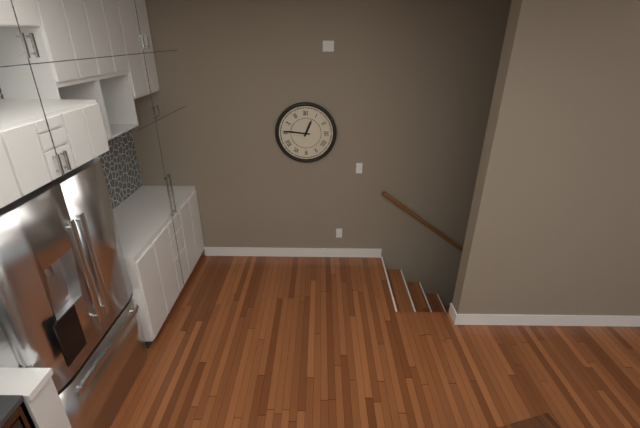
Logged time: 12 h 46 min
